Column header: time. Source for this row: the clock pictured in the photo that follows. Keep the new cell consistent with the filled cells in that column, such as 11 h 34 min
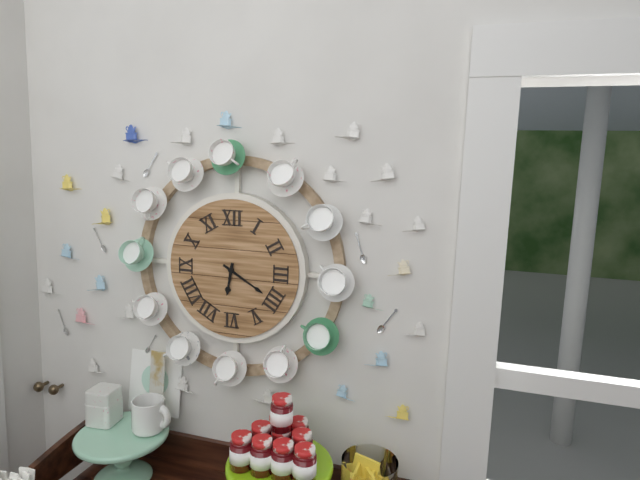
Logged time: 6 h 20 min
